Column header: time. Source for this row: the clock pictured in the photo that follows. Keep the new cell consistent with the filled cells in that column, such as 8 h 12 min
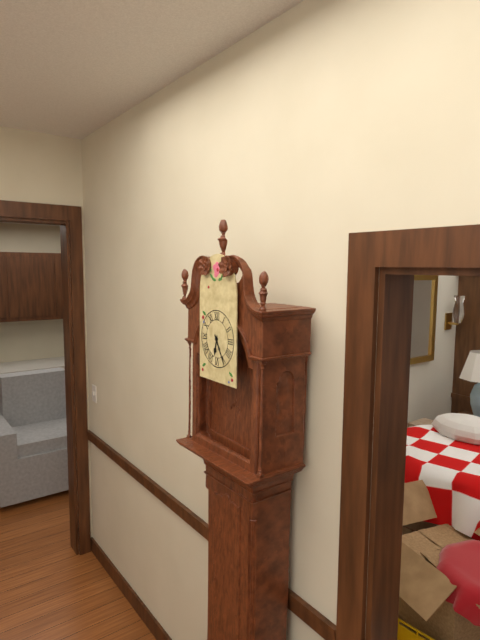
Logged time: 6 h 25 min
